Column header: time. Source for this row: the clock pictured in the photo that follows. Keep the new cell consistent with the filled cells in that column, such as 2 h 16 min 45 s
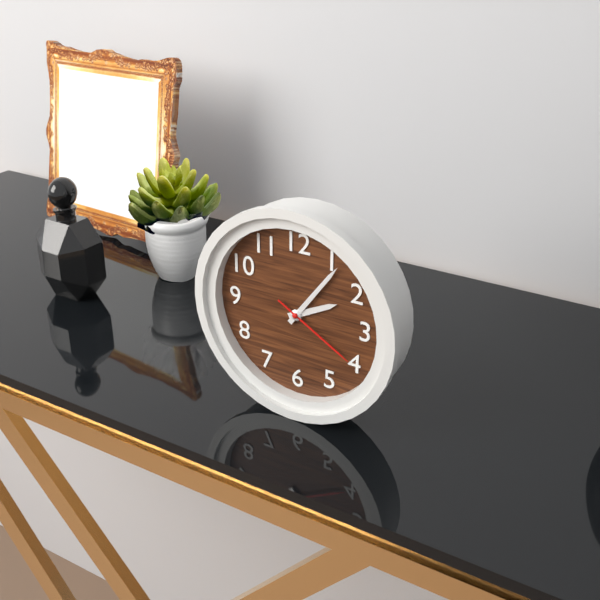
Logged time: 2 h 06 min 20 s
